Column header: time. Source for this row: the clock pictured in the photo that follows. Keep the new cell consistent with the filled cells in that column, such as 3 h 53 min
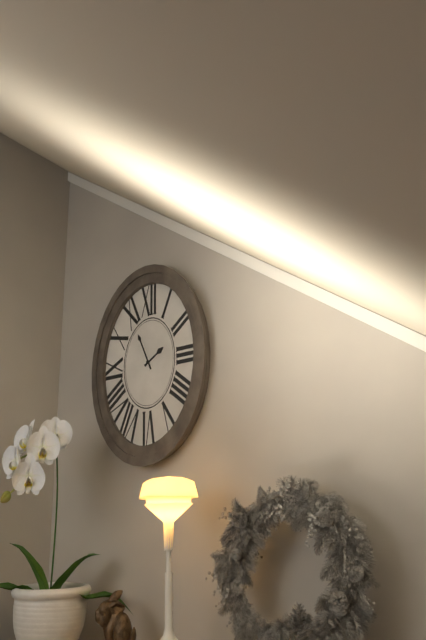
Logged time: 1 h 56 min
